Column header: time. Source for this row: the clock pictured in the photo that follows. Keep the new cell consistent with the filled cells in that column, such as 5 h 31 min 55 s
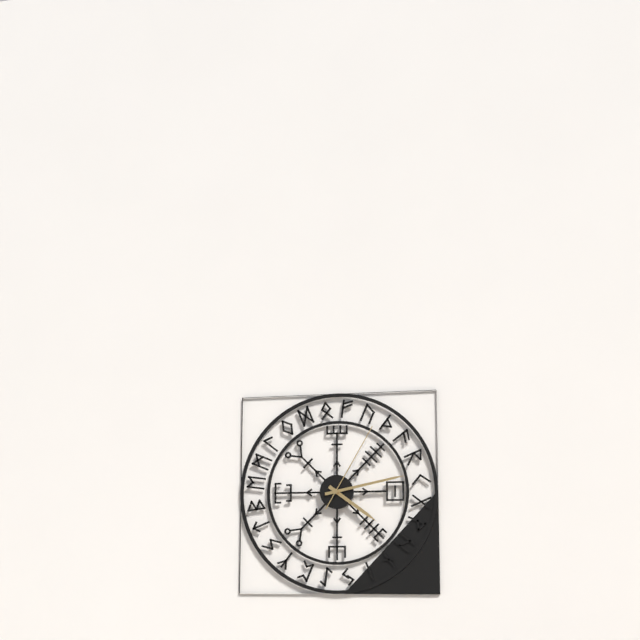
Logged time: 4 h 13 min 05 s
